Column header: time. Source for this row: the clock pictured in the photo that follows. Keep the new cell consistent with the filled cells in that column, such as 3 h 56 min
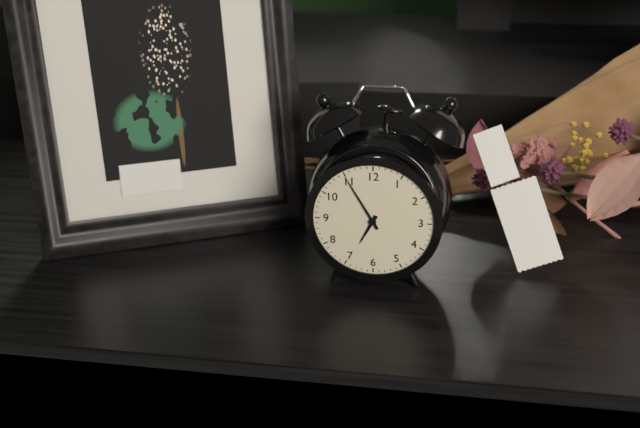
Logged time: 6 h 55 min
